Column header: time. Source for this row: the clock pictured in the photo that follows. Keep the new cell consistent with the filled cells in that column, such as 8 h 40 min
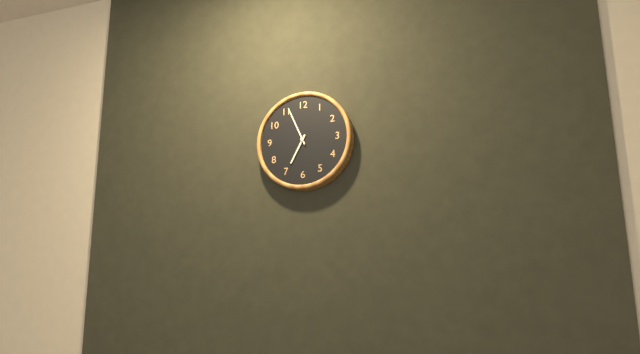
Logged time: 6 h 56 min
